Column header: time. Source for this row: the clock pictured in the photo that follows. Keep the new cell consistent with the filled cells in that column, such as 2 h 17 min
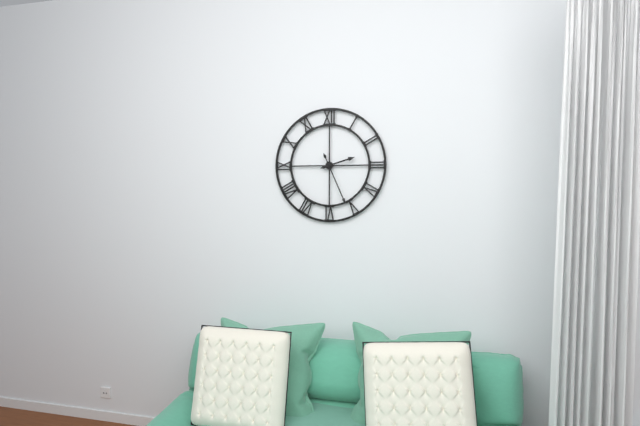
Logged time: 2 h 26 min
